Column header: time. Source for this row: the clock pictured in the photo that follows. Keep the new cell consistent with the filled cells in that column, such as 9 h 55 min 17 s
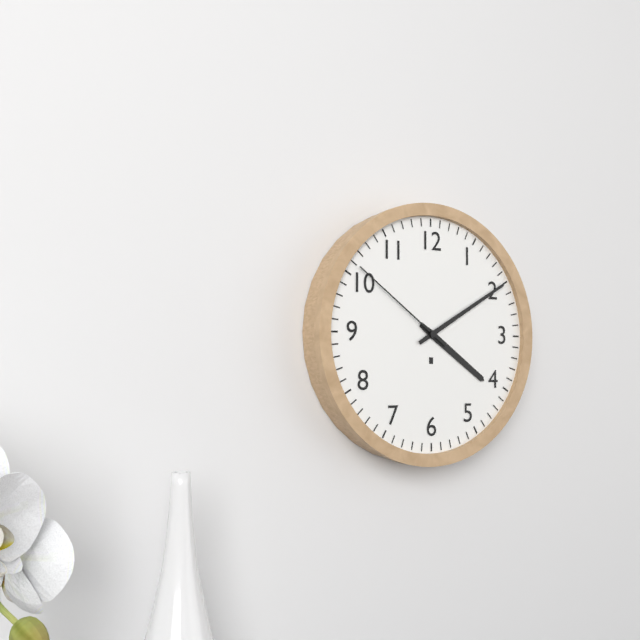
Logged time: 4 h 10 min 51 s
